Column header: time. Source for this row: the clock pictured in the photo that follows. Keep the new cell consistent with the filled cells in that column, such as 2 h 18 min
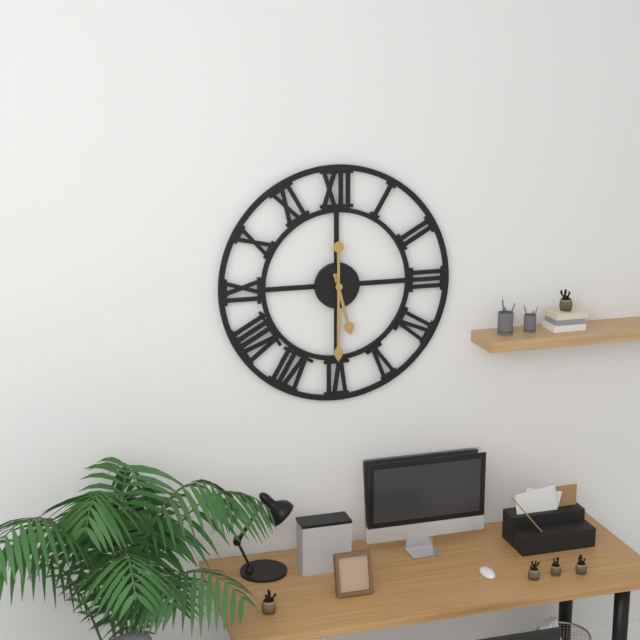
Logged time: 5 h 30 min
